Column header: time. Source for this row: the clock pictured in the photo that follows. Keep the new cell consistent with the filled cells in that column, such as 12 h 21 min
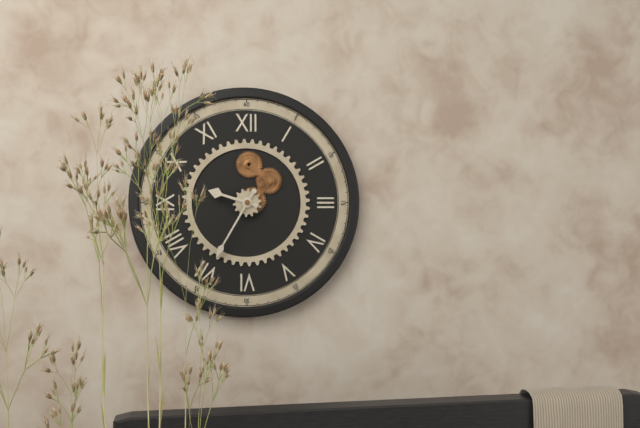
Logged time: 9 h 35 min
